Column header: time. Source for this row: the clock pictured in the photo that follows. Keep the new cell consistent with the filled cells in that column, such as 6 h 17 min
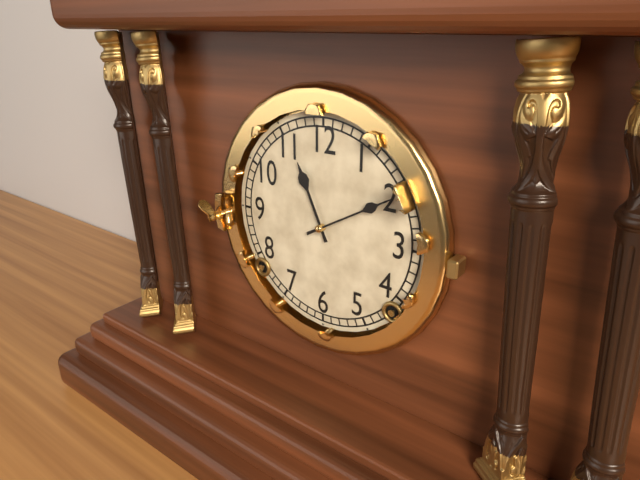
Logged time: 11 h 10 min
